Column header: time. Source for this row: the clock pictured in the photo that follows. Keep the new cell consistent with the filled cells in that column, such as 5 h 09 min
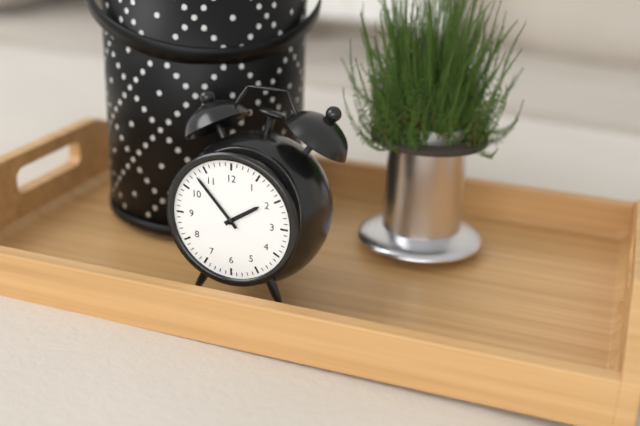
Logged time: 1 h 53 min
